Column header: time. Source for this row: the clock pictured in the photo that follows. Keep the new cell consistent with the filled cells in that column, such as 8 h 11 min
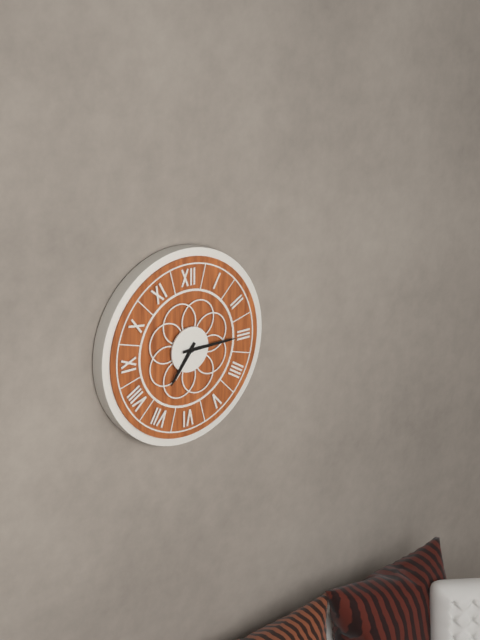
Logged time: 7 h 15 min
